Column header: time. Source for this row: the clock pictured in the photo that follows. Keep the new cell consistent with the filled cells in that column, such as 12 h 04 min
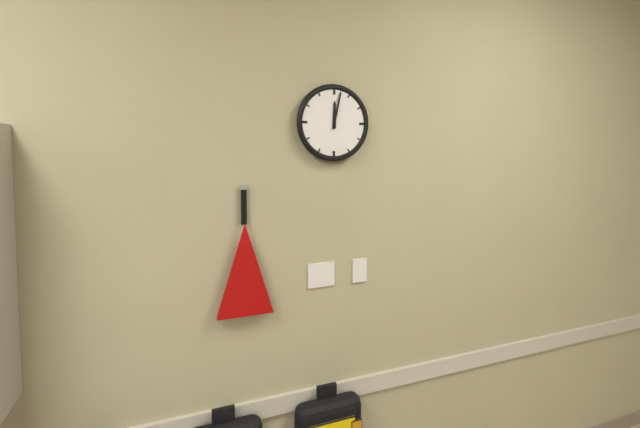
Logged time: 12 h 02 min
